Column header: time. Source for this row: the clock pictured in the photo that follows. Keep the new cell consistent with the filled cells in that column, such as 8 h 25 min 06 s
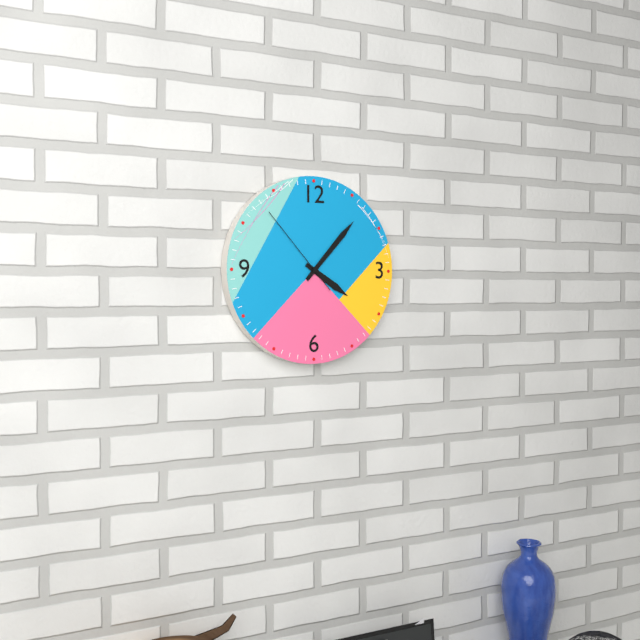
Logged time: 4 h 07 min 53 s
